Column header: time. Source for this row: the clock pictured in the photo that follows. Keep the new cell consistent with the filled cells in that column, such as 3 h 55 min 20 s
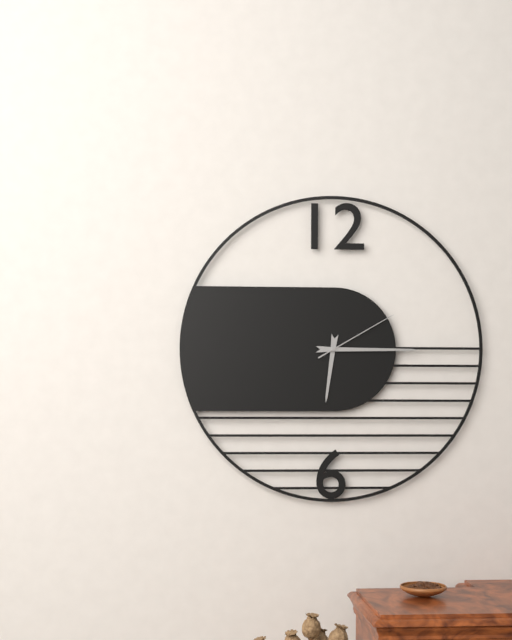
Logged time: 6 h 15 min 10 s
